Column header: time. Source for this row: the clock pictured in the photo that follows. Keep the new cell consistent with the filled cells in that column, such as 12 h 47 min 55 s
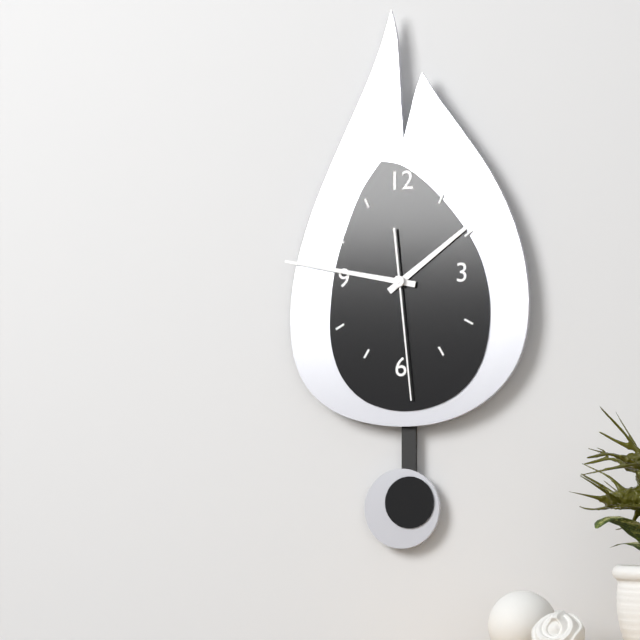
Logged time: 1 h 47 min 29 s
